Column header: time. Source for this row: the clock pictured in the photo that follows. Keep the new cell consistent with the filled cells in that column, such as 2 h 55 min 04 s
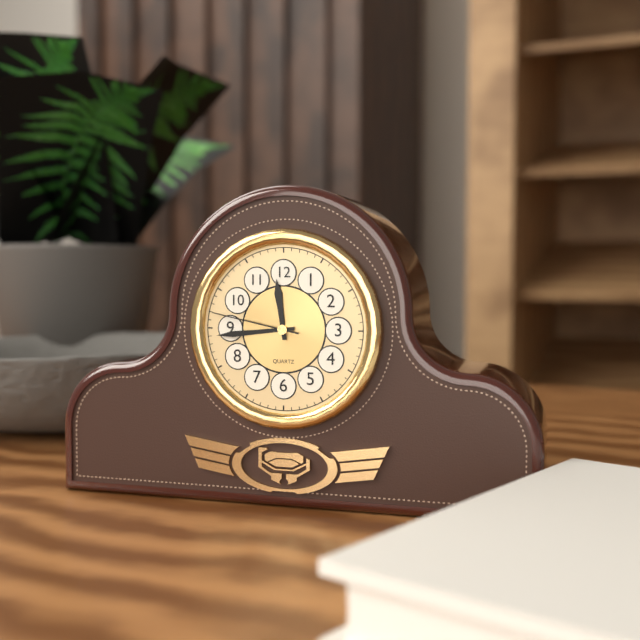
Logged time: 11 h 44 min 47 s
